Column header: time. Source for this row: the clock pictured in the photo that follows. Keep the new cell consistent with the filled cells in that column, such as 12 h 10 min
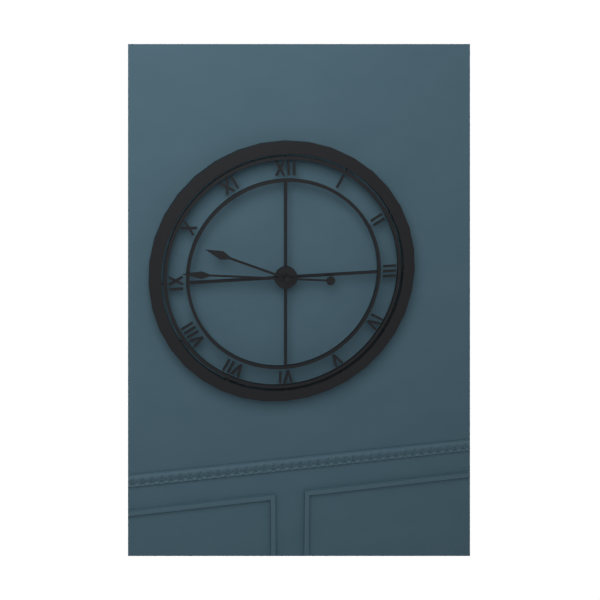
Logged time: 9 h 46 min
